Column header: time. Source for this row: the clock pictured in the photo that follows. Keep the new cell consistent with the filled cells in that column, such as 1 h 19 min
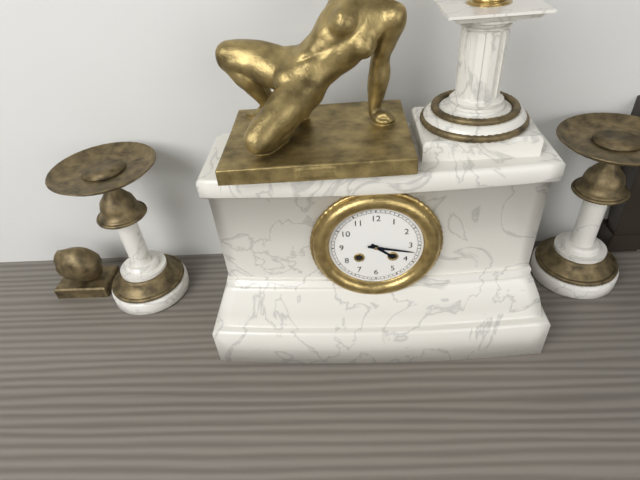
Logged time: 4 h 17 min
